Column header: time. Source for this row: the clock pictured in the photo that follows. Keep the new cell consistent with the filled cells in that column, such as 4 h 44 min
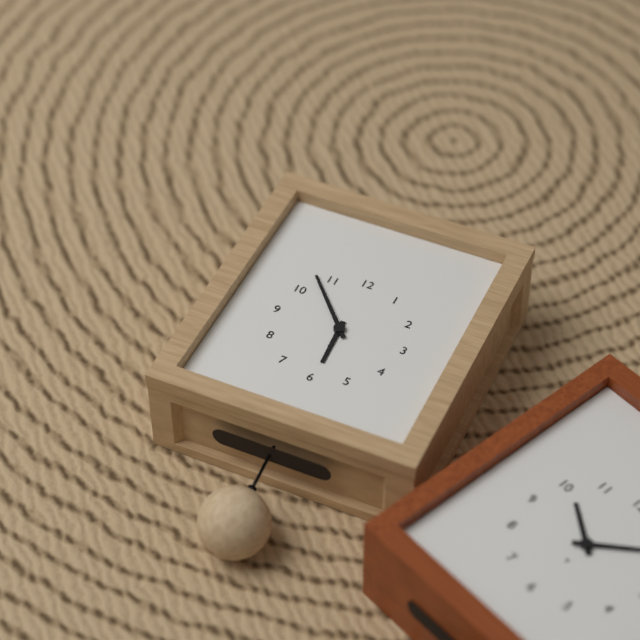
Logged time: 5 h 53 min
